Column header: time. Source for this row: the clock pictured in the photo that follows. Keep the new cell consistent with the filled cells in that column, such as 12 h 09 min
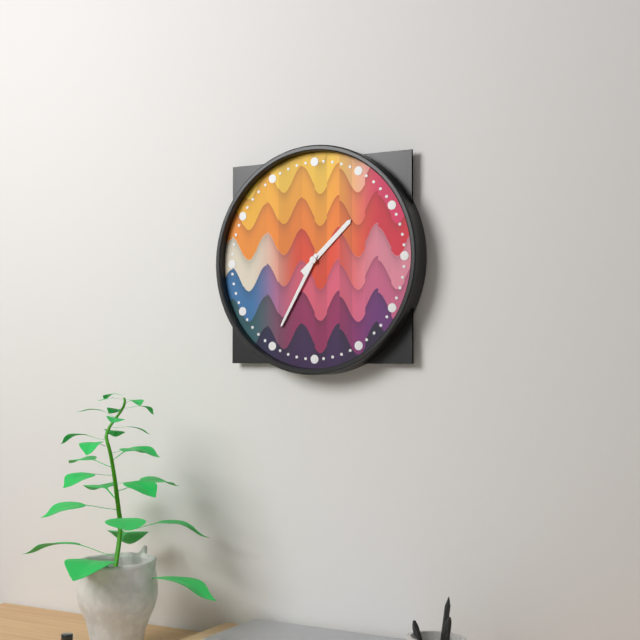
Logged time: 1 h 35 min
